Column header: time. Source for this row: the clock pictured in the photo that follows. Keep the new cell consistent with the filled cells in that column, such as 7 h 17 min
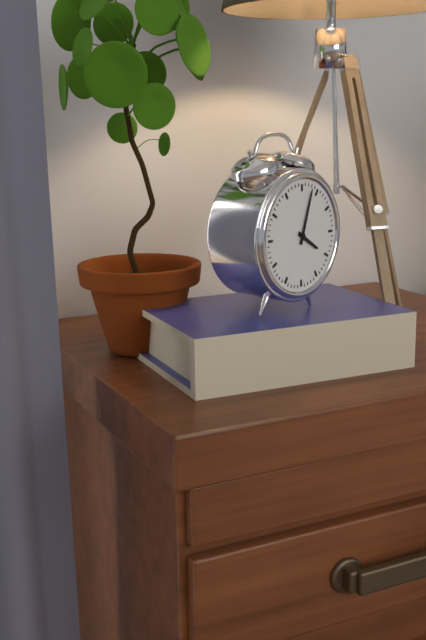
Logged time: 4 h 03 min
